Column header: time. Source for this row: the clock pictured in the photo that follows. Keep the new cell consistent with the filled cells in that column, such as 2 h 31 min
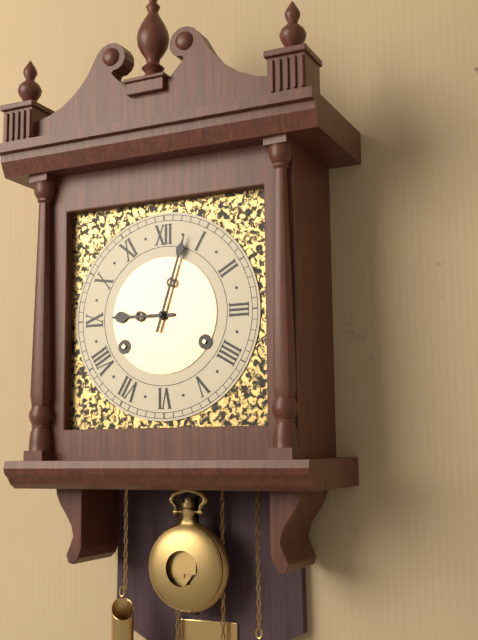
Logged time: 9 h 03 min
